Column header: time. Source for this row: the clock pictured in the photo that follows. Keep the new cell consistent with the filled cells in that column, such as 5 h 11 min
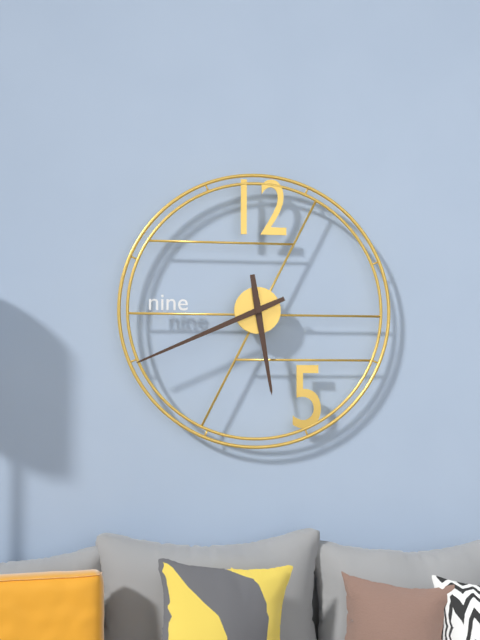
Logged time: 5 h 41 min
